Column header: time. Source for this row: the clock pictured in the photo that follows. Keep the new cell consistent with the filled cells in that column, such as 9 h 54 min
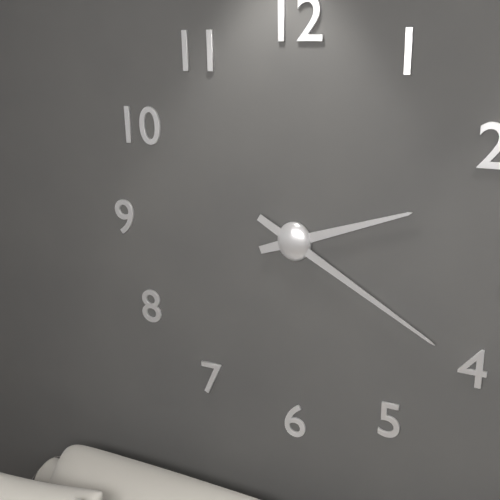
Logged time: 2 h 20 min
